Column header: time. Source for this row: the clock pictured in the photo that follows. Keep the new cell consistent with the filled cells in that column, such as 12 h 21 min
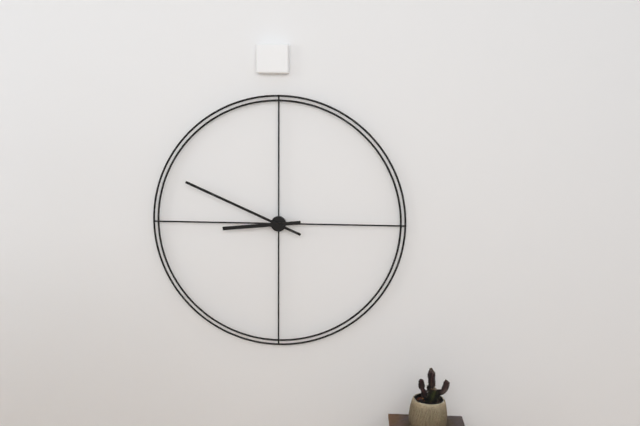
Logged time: 8 h 49 min
